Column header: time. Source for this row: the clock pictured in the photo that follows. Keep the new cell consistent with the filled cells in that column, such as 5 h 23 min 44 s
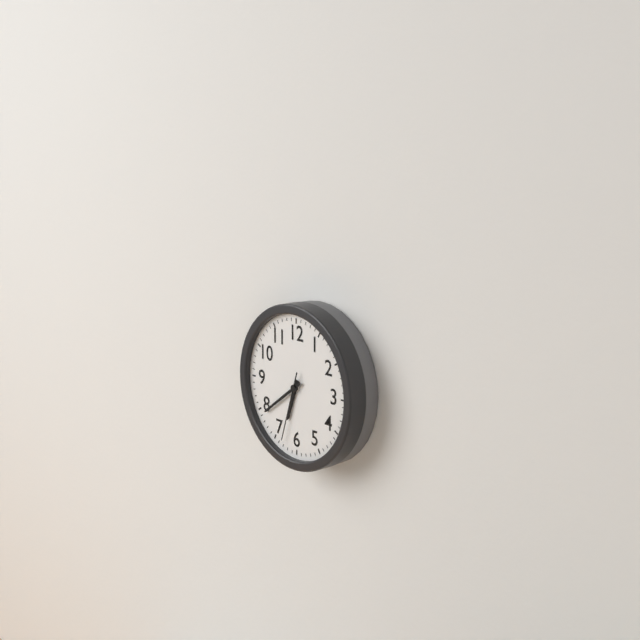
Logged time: 6 h 39 min 33 s
